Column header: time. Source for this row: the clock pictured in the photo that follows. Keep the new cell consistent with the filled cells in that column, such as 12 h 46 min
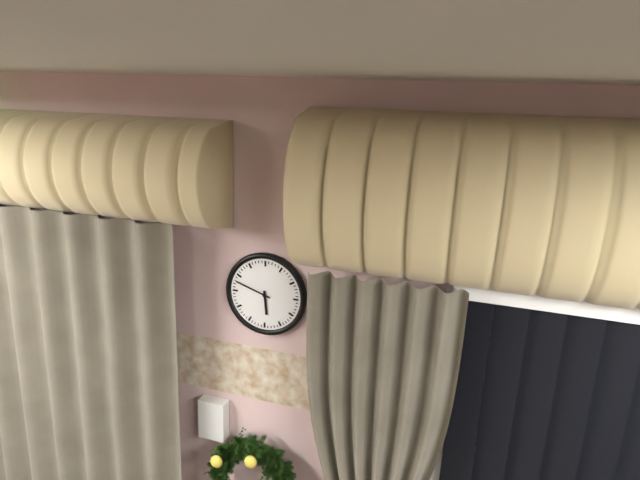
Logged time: 5 h 48 min
